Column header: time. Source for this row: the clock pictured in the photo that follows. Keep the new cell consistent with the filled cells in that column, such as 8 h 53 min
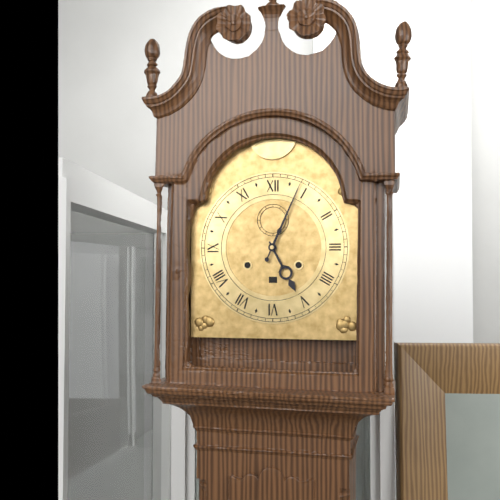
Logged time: 5 h 04 min
